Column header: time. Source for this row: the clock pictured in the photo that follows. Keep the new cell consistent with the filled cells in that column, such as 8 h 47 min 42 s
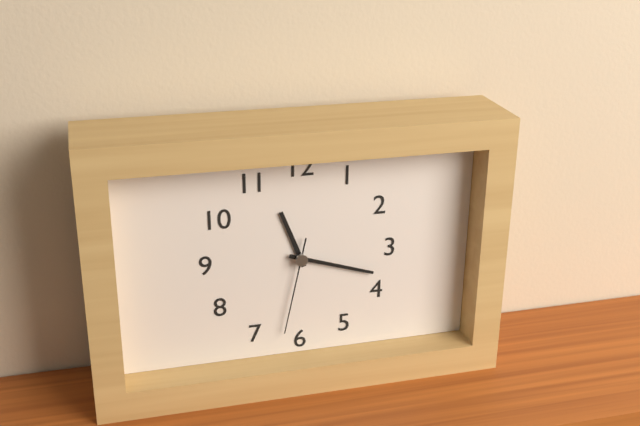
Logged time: 11 h 18 min 32 s
